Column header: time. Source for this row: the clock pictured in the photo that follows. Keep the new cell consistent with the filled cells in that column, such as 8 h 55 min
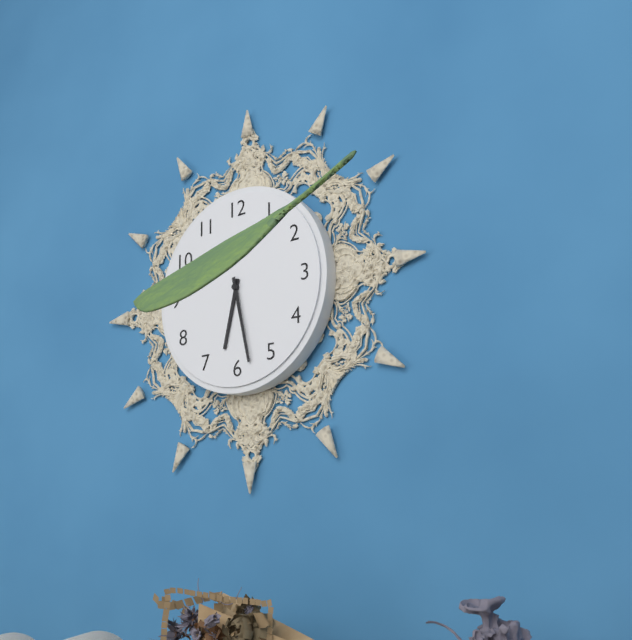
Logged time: 6 h 28 min
